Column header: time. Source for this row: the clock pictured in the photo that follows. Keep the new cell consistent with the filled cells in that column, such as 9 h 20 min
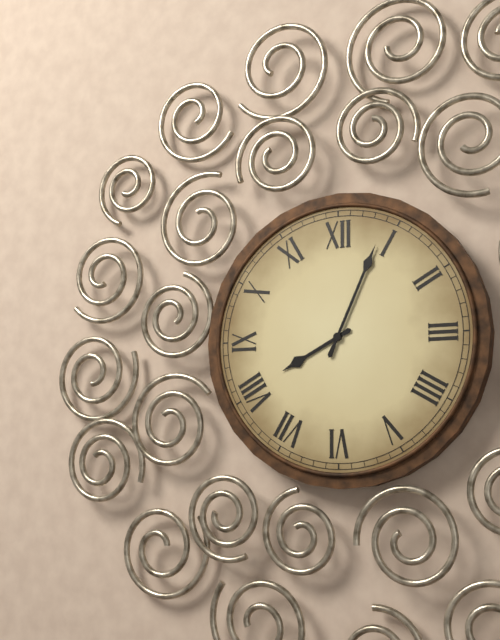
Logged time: 8 h 04 min
